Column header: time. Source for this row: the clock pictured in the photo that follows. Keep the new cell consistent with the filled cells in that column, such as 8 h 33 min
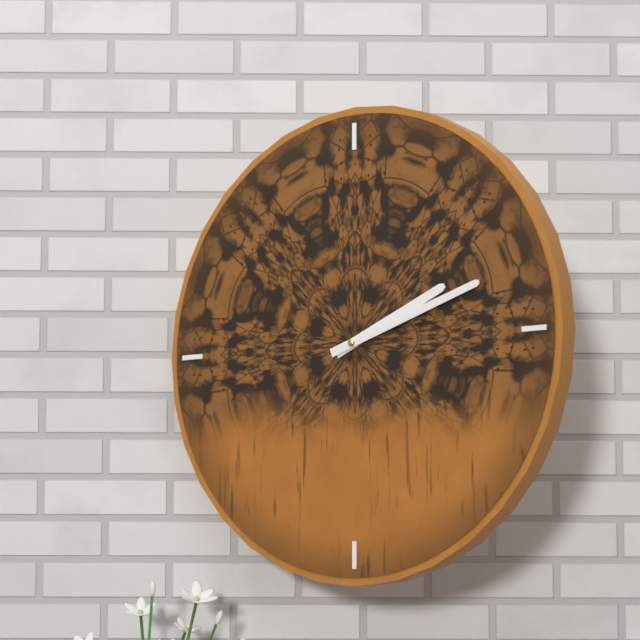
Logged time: 2 h 12 min
